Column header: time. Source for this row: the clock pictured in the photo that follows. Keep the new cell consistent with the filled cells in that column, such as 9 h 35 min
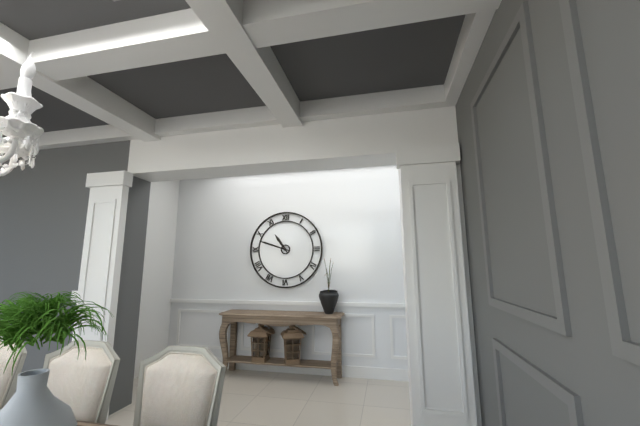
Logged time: 10 h 48 min
